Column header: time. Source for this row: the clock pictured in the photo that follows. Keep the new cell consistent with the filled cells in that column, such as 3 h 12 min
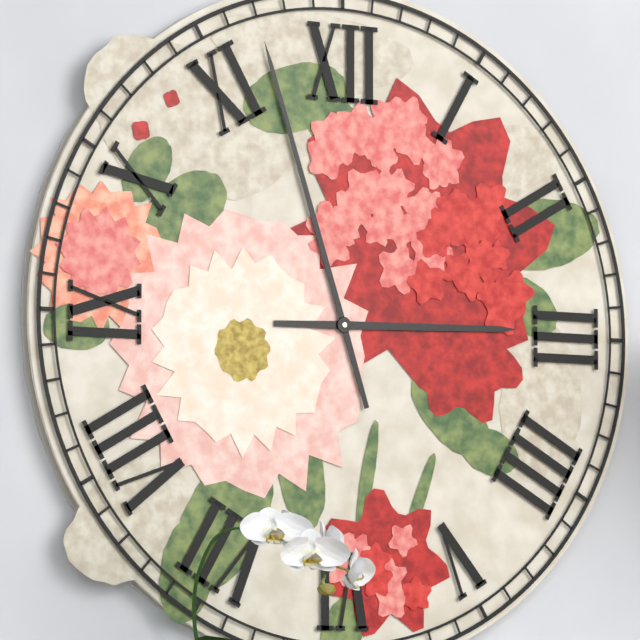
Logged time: 2 h 57 min
